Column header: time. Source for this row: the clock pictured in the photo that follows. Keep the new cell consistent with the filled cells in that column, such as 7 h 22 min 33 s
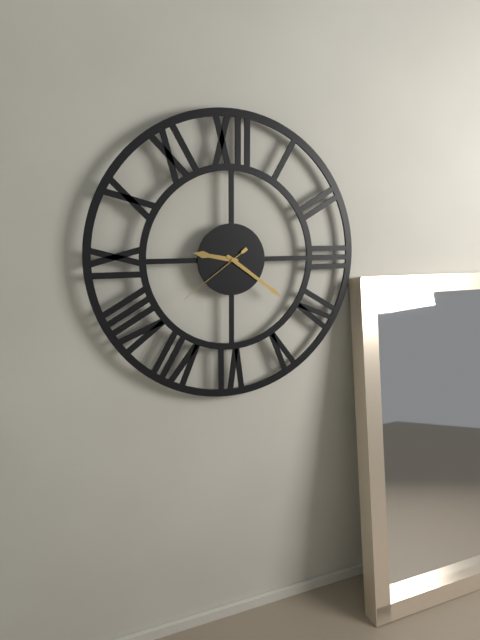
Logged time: 9 h 21 min 39 s
